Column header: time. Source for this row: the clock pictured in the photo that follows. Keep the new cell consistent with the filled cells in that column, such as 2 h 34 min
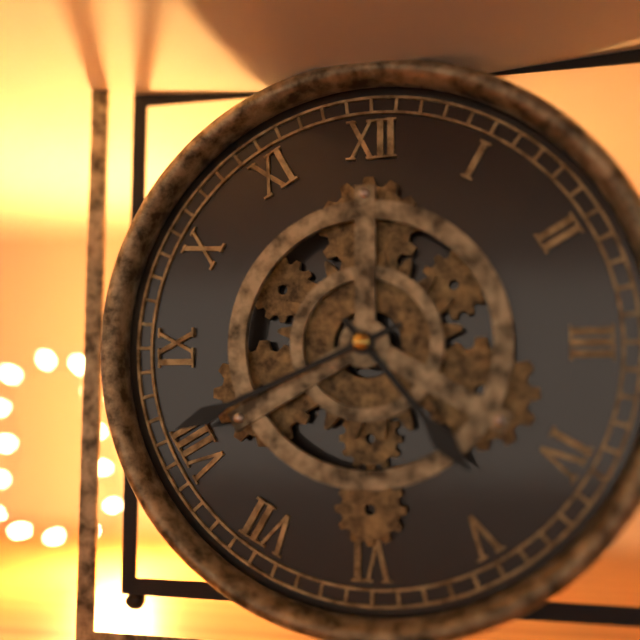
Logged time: 4 h 41 min
